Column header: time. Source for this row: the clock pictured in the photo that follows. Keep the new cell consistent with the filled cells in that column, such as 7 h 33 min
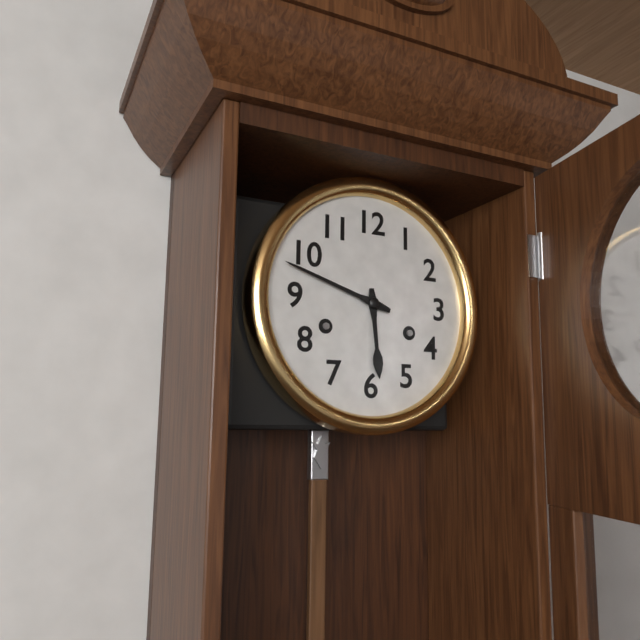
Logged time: 5 h 48 min
